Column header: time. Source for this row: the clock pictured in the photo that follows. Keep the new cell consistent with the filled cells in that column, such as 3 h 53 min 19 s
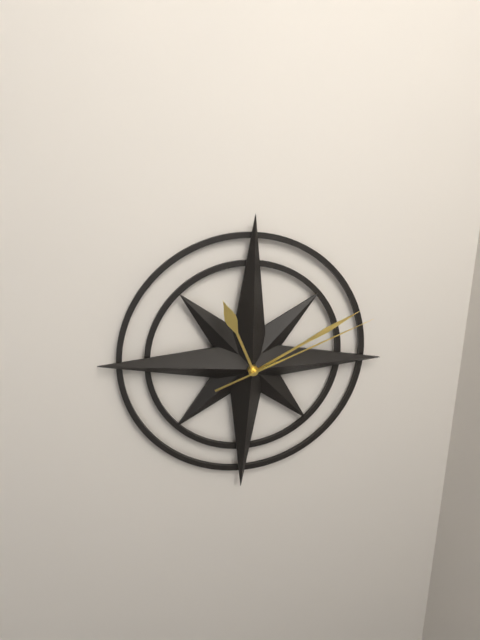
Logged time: 11 h 10 min 11 s
